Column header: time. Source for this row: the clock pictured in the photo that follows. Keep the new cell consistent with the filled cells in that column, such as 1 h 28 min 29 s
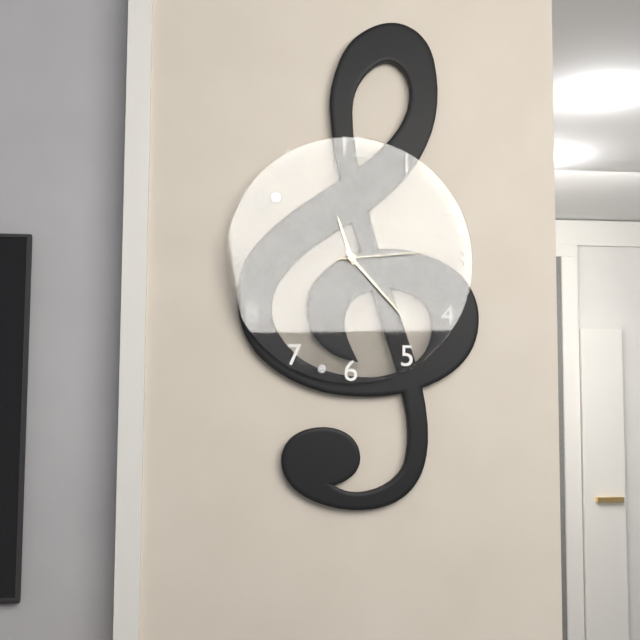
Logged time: 11 h 23 min 14 s
